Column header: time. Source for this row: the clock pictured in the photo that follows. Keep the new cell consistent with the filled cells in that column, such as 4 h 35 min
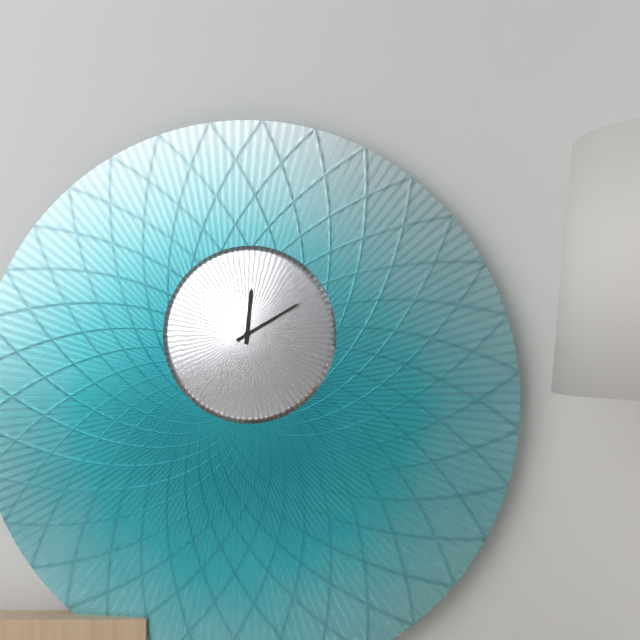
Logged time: 12 h 10 min
